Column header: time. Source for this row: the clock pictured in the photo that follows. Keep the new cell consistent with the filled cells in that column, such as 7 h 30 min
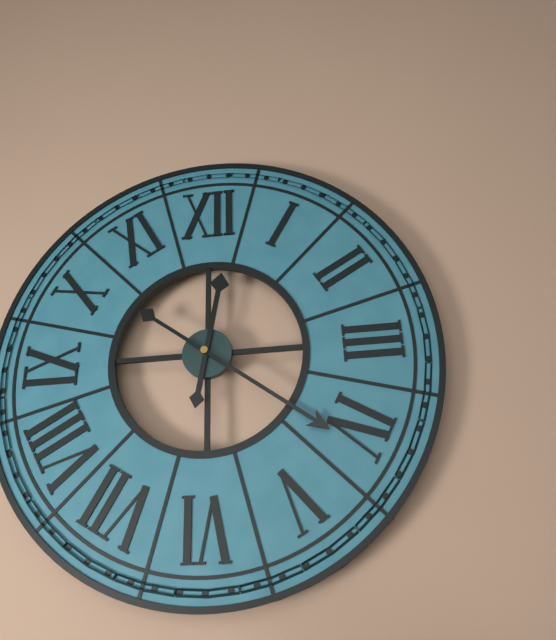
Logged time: 12 h 21 min
